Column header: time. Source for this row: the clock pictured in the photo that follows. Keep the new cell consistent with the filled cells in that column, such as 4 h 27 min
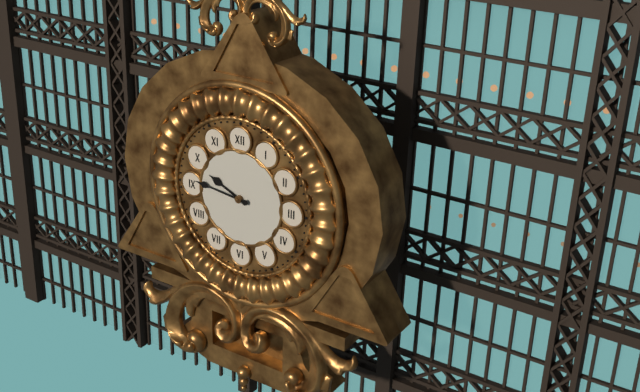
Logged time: 9 h 46 min
